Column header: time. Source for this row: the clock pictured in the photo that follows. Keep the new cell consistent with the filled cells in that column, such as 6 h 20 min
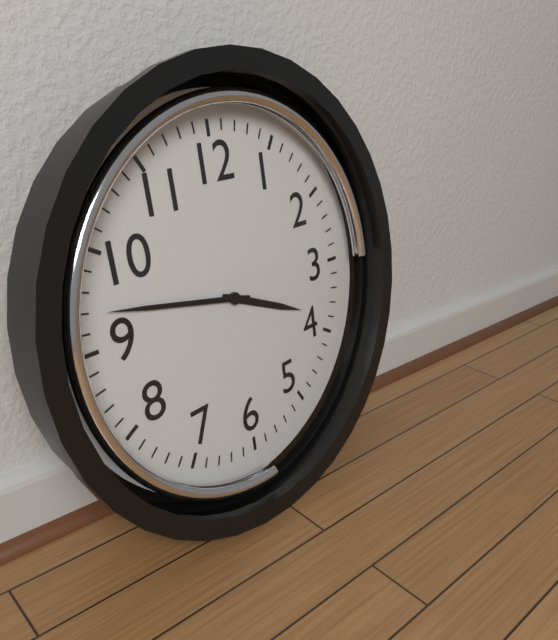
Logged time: 3 h 47 min
